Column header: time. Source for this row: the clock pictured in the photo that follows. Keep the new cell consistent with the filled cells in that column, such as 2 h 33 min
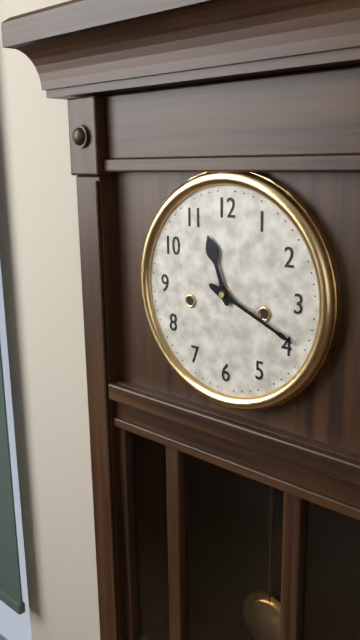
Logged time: 11 h 19 min
